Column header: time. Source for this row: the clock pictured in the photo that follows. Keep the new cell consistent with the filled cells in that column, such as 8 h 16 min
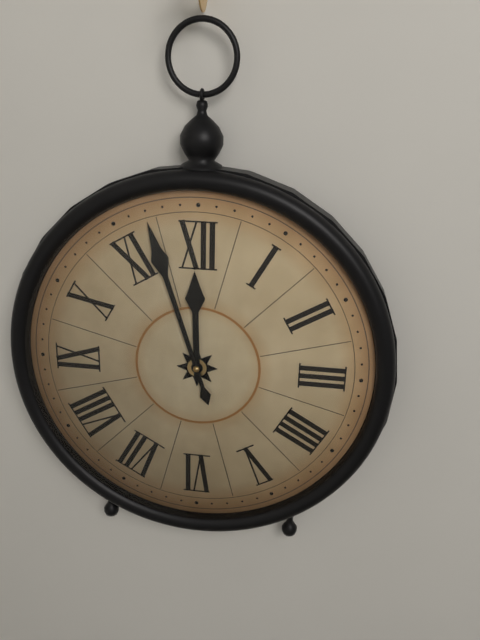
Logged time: 11 h 57 min
